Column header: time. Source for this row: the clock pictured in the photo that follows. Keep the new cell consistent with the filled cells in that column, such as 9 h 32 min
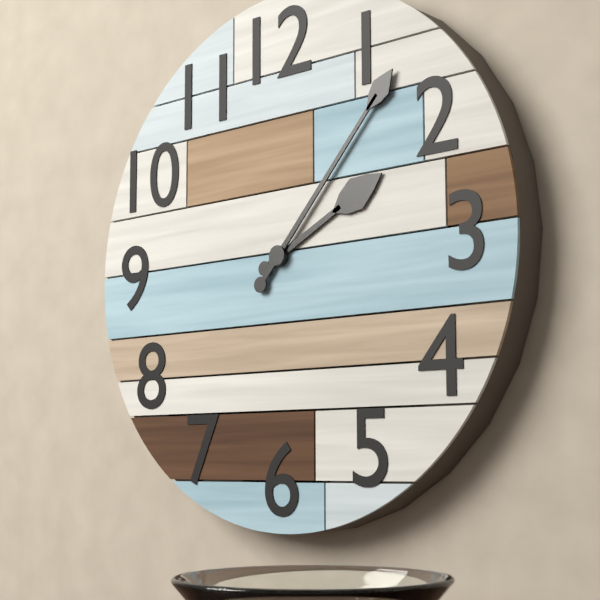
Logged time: 2 h 07 min
